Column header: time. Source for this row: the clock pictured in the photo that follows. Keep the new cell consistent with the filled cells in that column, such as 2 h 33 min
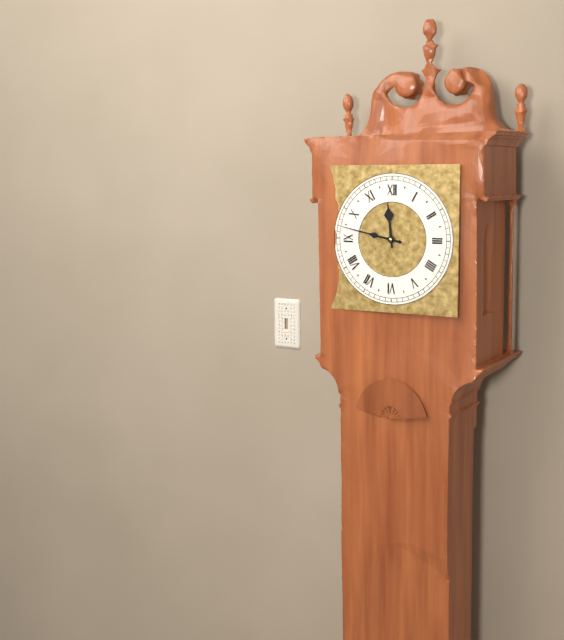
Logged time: 11 h 47 min
